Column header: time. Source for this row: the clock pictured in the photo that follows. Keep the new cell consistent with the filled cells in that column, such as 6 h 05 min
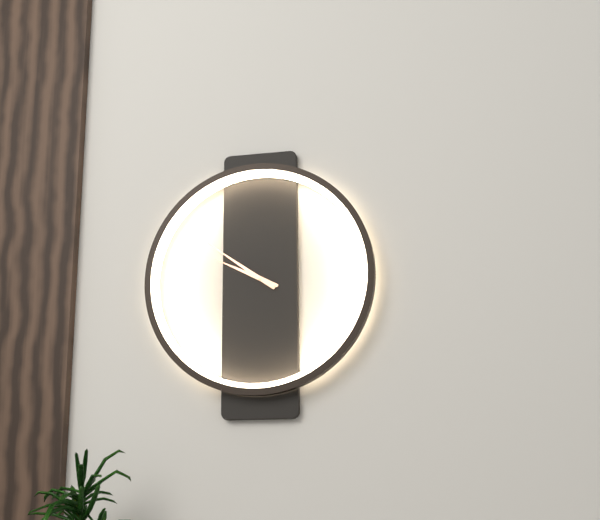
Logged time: 9 h 51 min
